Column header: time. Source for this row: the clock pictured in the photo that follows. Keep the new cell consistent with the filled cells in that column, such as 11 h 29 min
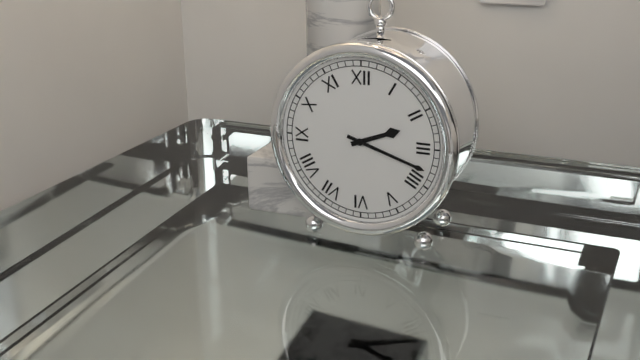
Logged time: 2 h 18 min
